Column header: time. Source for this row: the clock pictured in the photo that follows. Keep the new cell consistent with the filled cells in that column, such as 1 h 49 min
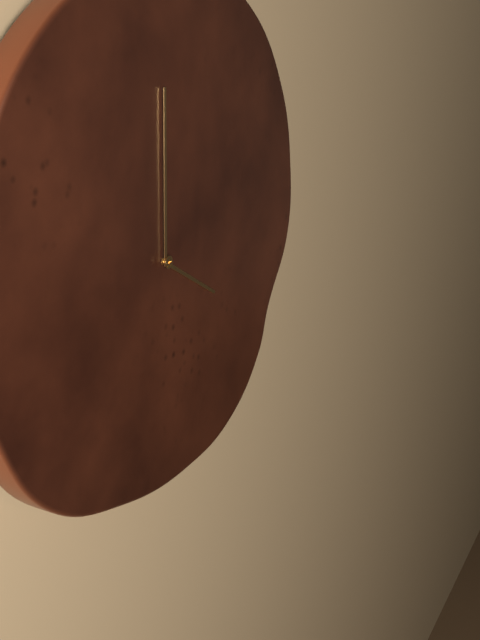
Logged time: 4 h 00 min
